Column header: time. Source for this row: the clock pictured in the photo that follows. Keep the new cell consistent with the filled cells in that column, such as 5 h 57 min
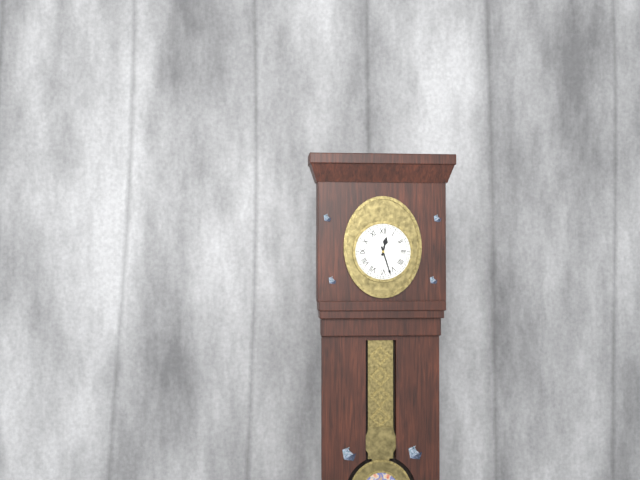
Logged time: 12 h 27 min
